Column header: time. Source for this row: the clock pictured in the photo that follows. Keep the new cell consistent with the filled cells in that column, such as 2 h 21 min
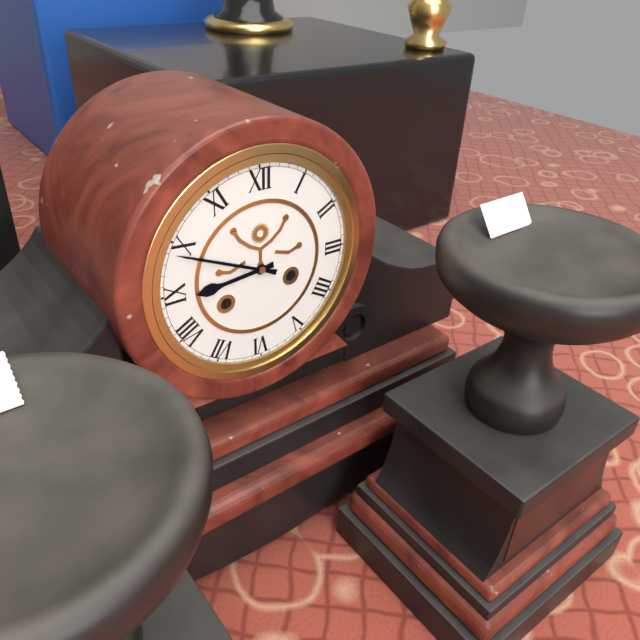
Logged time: 8 h 49 min
